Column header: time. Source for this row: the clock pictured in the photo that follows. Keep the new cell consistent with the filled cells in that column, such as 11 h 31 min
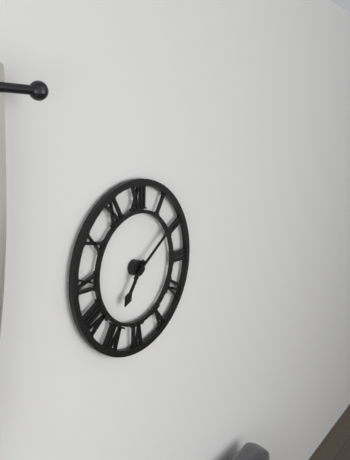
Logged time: 7 h 09 min
